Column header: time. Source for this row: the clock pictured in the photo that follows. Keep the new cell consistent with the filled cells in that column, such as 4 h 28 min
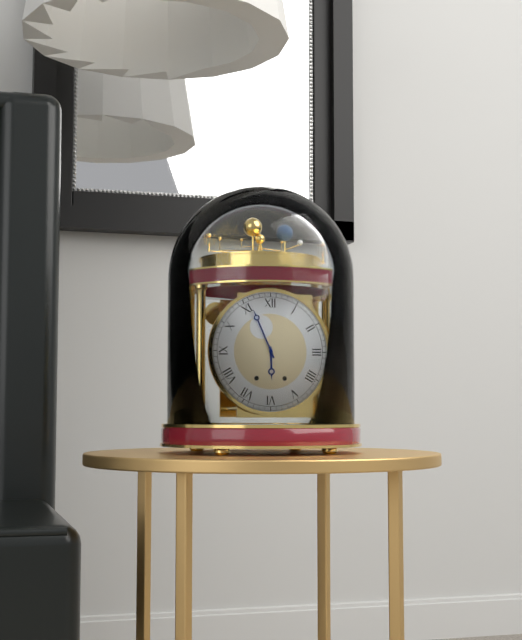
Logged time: 5 h 56 min
